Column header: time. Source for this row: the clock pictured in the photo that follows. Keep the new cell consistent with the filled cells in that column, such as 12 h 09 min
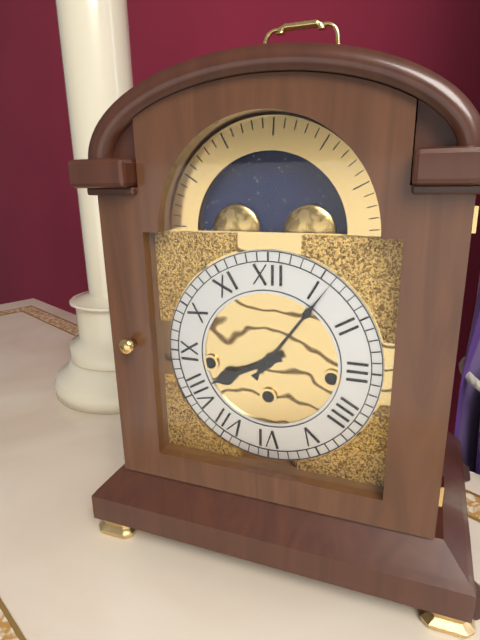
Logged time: 8 h 06 min
